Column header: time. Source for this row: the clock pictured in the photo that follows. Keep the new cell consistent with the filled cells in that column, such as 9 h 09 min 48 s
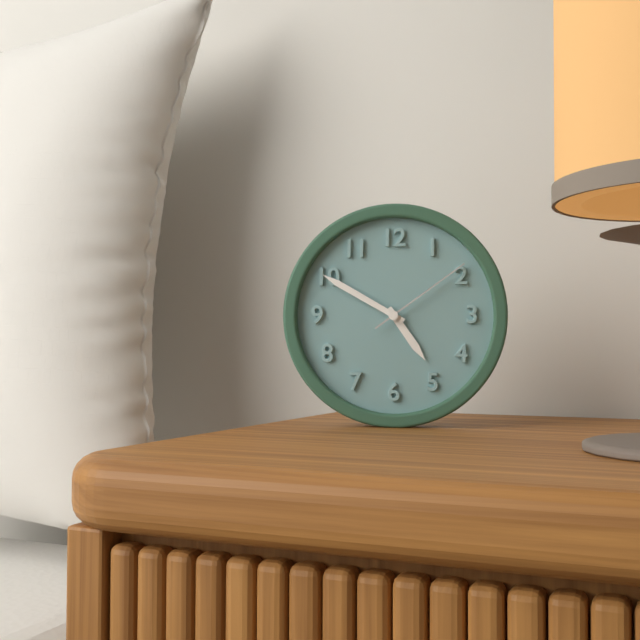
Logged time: 4 h 50 min 09 s
